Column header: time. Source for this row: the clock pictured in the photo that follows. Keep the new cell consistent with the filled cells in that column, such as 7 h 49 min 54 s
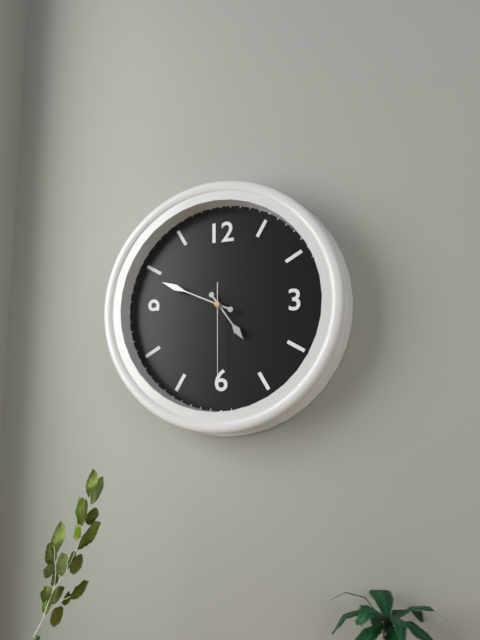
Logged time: 4 h 49 min 30 s
